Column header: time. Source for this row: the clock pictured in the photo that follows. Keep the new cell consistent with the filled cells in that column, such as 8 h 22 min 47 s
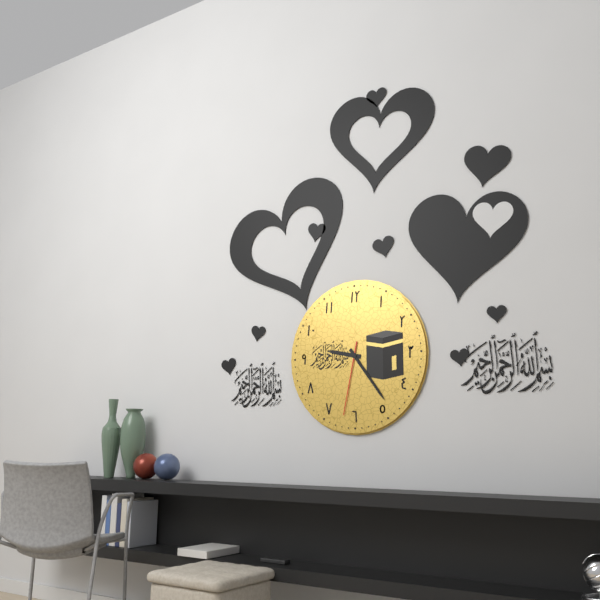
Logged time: 9 h 24 min 32 s
